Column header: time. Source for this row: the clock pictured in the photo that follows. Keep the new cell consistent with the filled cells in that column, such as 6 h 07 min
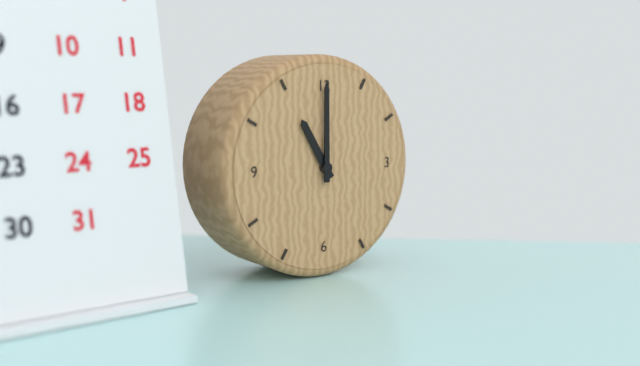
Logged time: 11 h 00 min
